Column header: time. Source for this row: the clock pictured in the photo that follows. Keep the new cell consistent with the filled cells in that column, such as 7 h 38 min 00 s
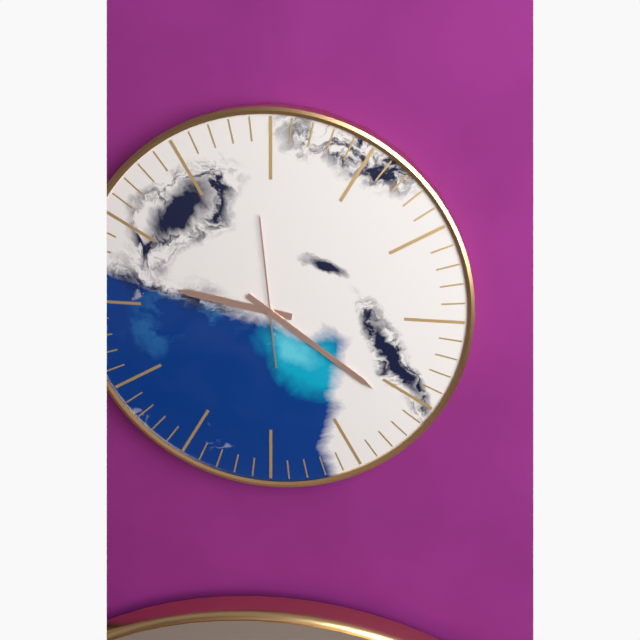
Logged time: 9 h 21 min 59 s
